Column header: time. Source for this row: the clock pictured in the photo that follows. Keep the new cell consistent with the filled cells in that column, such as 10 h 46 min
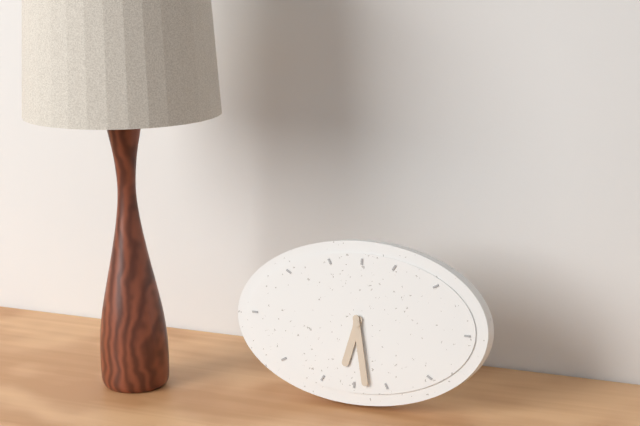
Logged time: 6 h 28 min
